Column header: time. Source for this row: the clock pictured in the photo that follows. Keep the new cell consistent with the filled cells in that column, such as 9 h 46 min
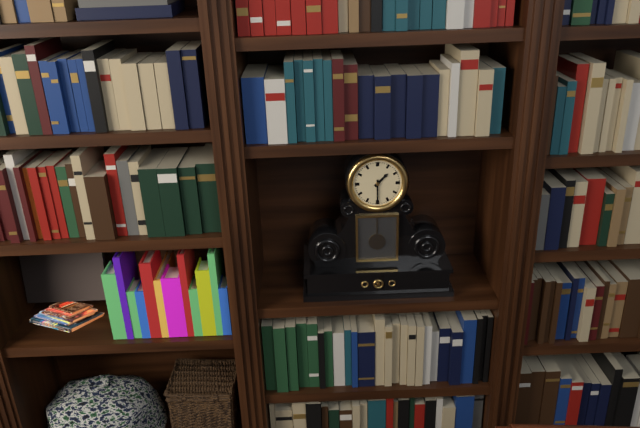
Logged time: 1 h 30 min
